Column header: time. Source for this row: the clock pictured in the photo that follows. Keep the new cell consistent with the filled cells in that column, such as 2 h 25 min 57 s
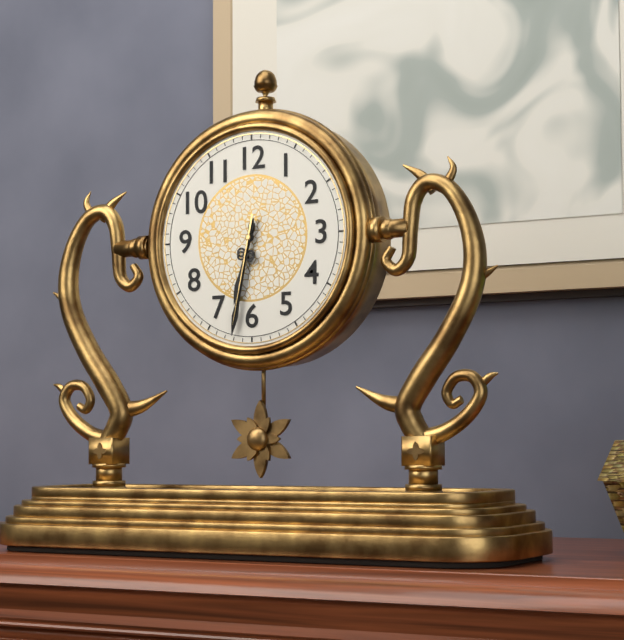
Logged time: 6 h 32 min 32 s
